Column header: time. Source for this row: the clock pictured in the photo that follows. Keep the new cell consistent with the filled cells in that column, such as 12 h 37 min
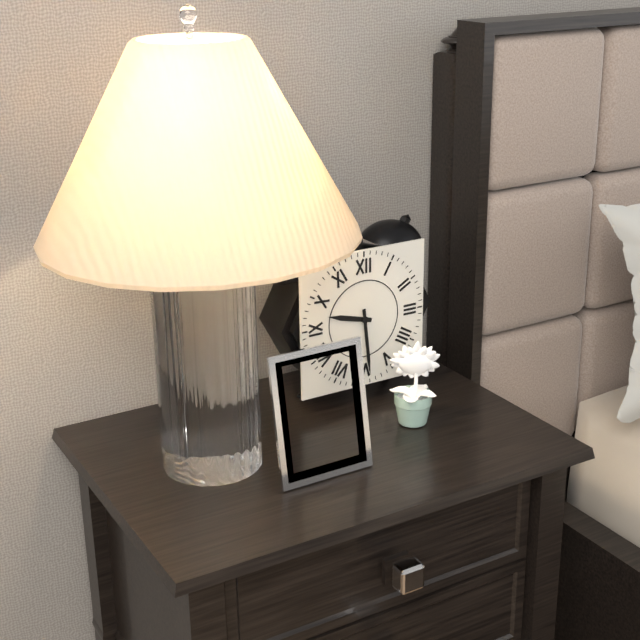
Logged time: 9 h 29 min
